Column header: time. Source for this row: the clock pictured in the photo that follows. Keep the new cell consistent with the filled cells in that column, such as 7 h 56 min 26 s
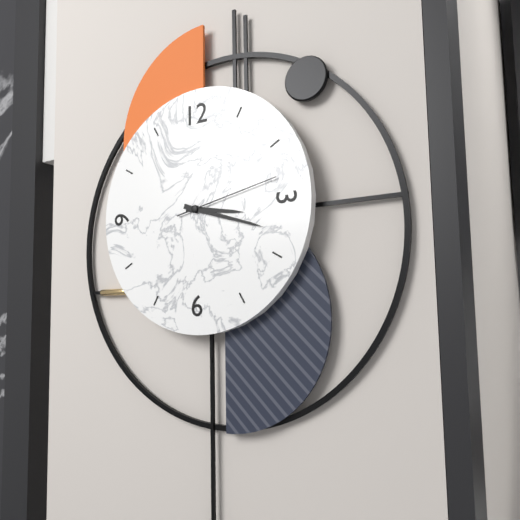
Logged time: 3 h 18 min 13 s
